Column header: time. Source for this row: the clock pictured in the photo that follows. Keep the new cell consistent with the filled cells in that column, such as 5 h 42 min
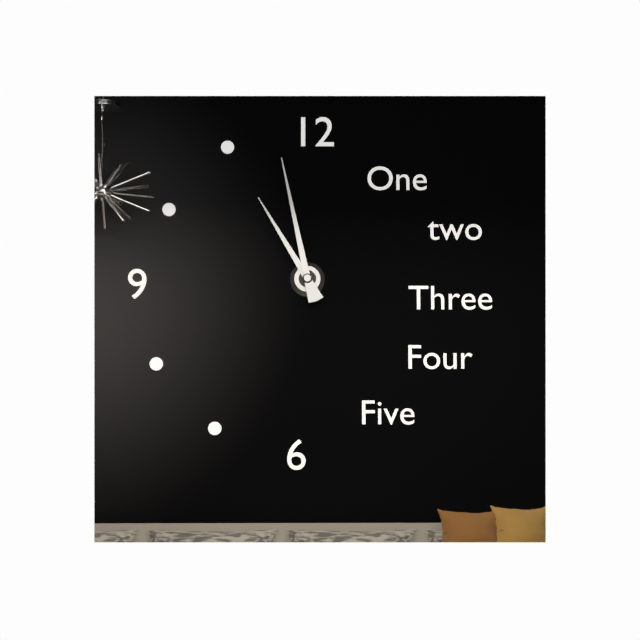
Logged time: 10 h 58 min
